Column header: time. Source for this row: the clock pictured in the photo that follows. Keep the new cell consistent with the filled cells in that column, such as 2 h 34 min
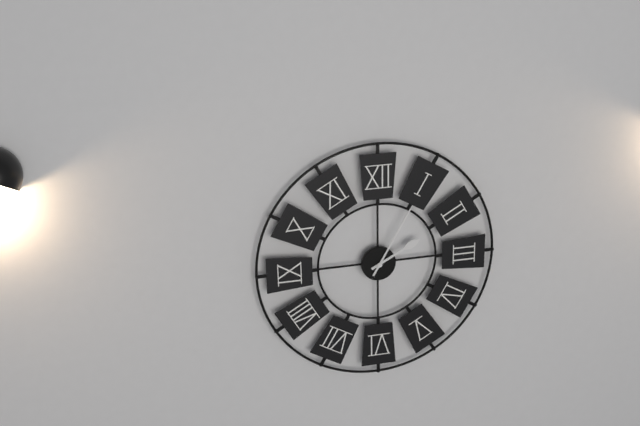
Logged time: 2 h 05 min
